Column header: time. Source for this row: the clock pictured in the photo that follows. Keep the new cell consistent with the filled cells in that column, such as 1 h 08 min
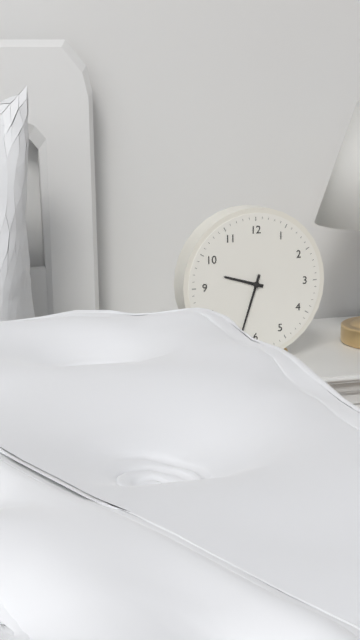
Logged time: 9 h 33 min
